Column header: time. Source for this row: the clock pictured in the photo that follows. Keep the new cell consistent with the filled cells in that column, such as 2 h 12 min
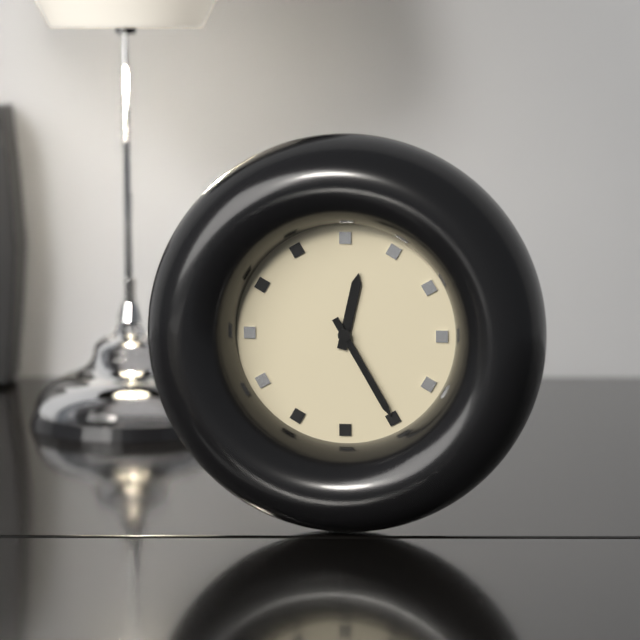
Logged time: 12 h 25 min
